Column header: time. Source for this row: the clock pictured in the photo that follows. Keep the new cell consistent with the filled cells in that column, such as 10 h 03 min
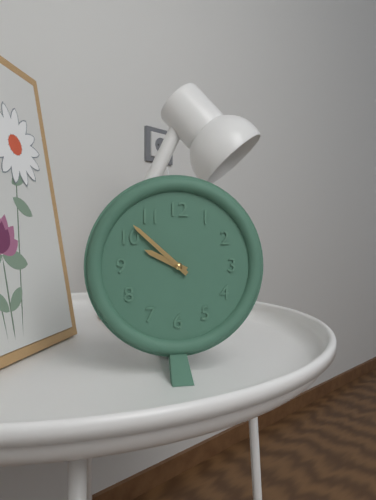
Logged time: 9 h 52 min
